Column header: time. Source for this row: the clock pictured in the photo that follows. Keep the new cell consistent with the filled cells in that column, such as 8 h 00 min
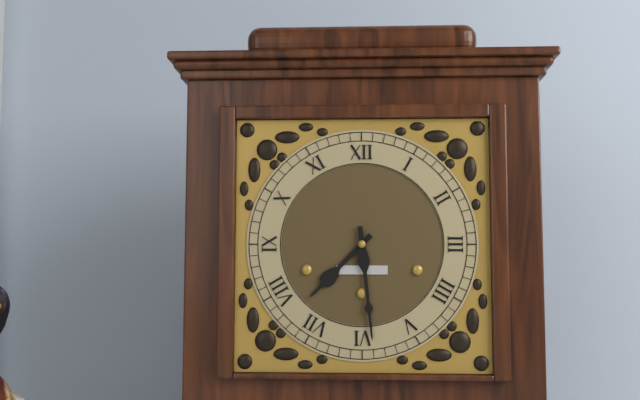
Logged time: 7 h 29 min
